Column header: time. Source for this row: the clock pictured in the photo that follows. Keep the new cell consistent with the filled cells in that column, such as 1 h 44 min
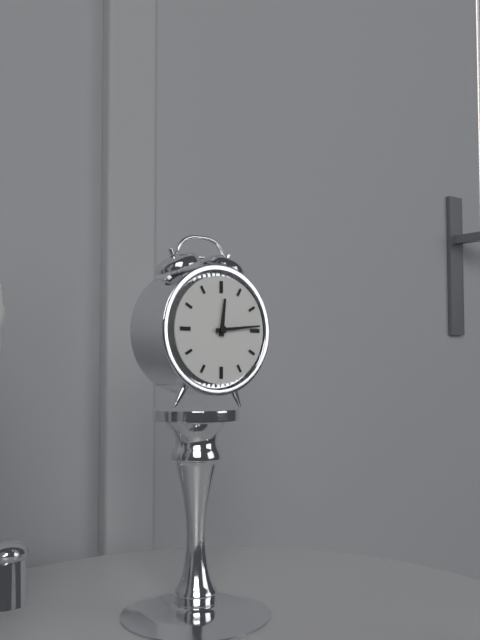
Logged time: 12 h 14 min
